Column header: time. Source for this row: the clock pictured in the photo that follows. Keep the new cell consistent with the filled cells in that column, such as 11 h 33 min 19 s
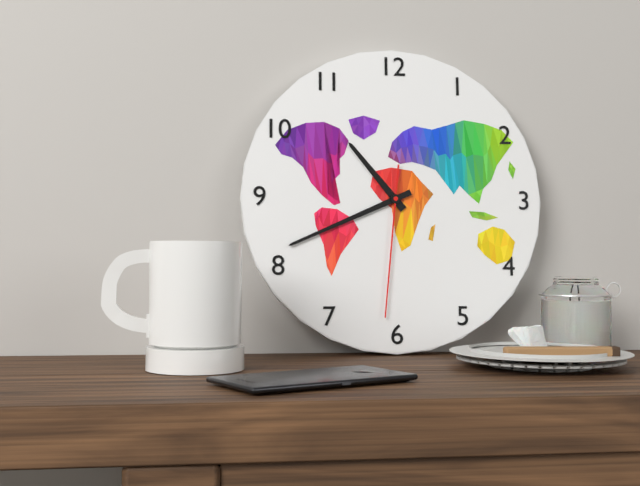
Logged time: 10 h 41 min 31 s
